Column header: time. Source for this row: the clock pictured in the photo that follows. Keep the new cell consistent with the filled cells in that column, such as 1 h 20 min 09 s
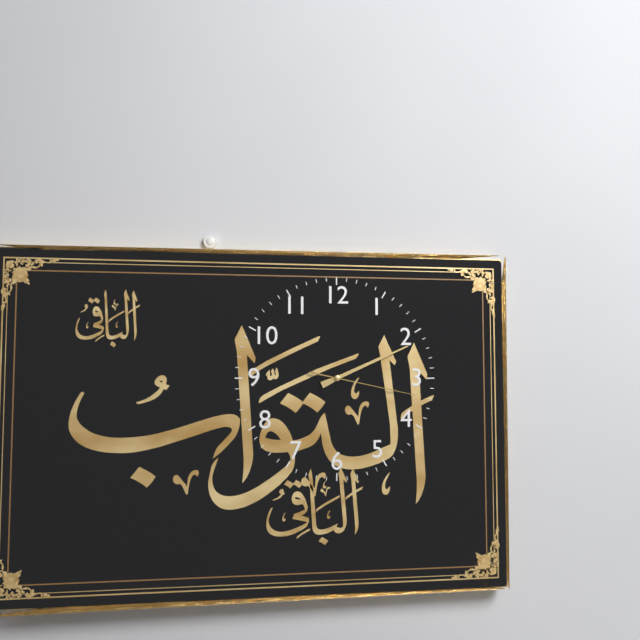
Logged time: 2 h 11 min 17 s
